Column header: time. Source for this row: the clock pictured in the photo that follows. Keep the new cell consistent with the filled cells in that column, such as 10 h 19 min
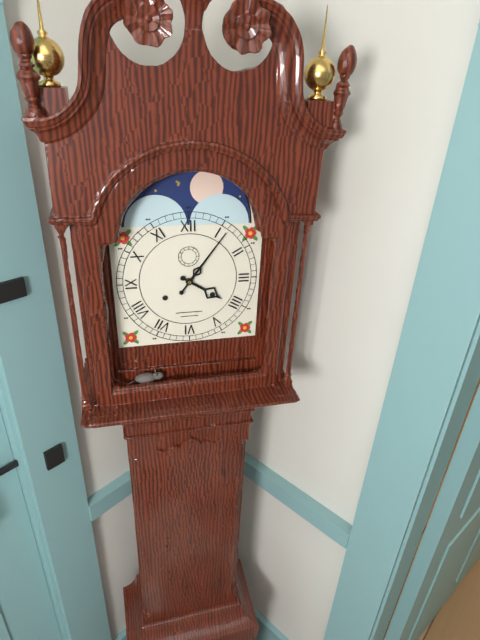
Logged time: 4 h 06 min
